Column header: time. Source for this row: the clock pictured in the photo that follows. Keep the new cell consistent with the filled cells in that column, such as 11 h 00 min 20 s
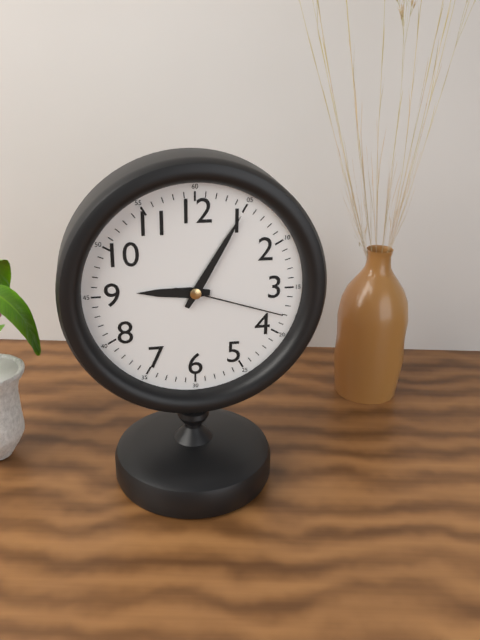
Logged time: 9 h 05 min 18 s
